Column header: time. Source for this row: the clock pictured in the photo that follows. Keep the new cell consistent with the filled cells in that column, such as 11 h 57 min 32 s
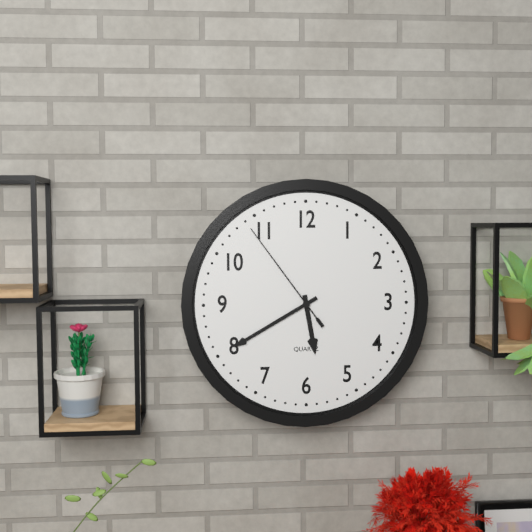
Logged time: 5 h 40 min 54 s
